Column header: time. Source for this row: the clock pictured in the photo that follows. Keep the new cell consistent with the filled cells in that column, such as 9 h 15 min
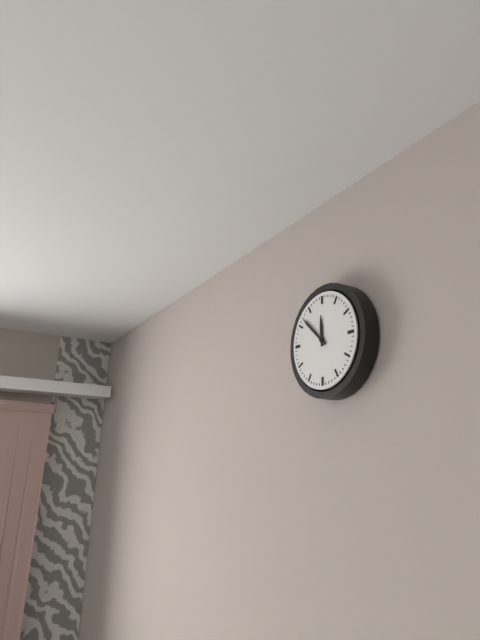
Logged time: 11 h 52 min
